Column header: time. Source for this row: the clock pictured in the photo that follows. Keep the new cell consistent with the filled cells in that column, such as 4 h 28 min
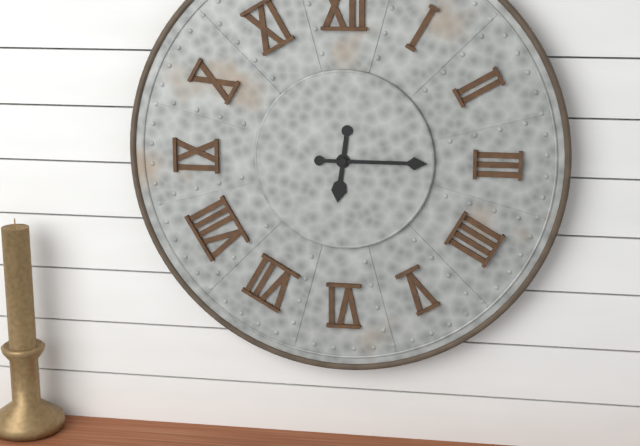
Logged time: 6 h 15 min
